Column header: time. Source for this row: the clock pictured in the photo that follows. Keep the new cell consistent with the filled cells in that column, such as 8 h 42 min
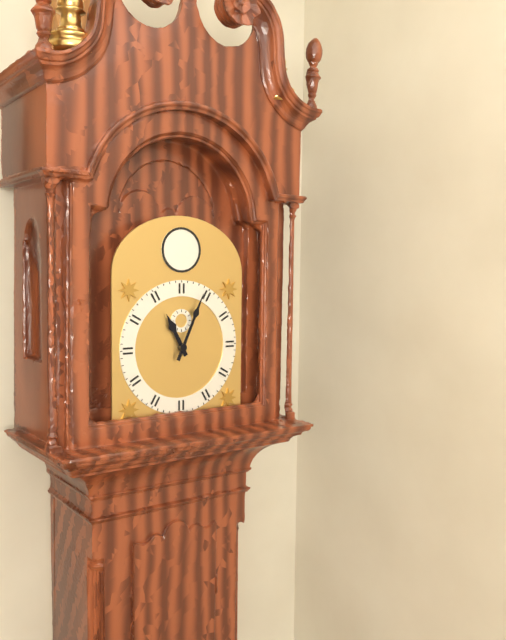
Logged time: 11 h 04 min
